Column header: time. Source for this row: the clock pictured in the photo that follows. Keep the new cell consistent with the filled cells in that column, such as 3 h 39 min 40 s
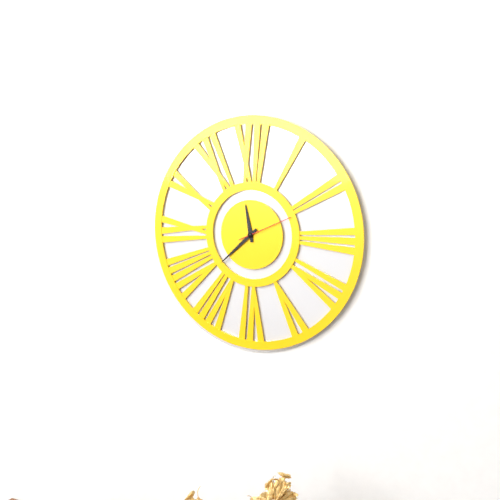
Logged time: 11 h 38 min 11 s
